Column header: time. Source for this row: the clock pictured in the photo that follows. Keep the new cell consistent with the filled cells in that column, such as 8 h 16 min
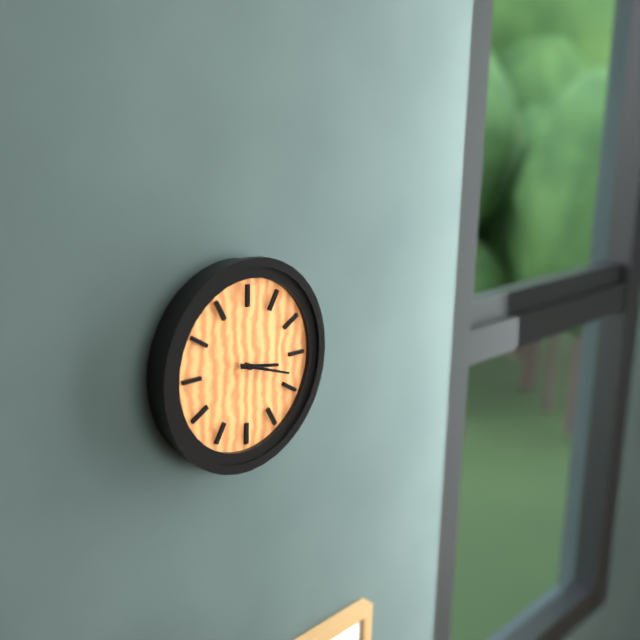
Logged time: 3 h 18 min
